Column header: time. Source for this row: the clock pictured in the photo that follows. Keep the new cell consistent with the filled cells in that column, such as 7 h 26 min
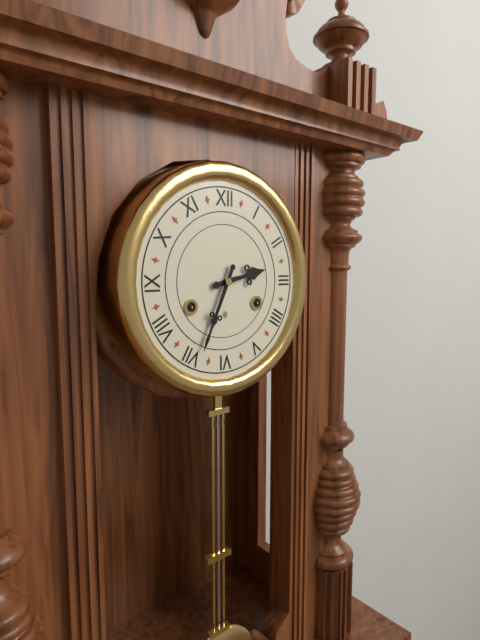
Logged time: 2 h 34 min
